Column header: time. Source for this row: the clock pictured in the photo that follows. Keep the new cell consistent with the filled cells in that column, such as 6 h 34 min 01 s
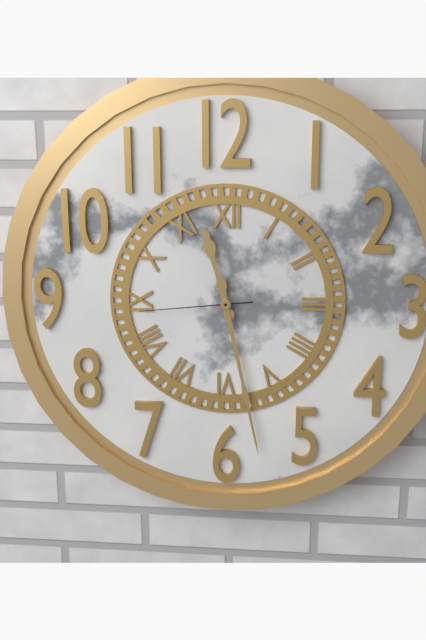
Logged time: 11 h 28 min 44 s
